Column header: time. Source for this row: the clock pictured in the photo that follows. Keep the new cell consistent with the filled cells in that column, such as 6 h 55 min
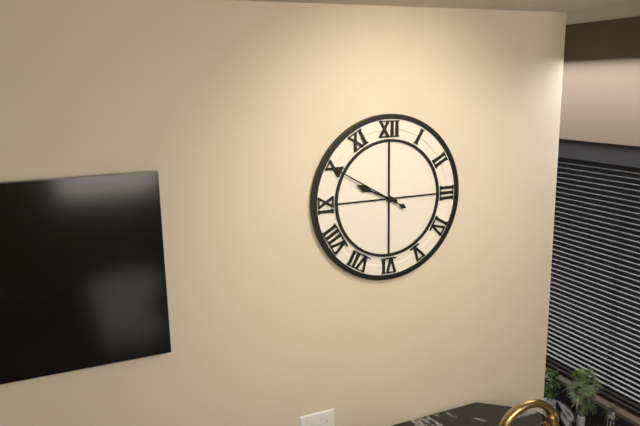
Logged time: 9 h 50 min
